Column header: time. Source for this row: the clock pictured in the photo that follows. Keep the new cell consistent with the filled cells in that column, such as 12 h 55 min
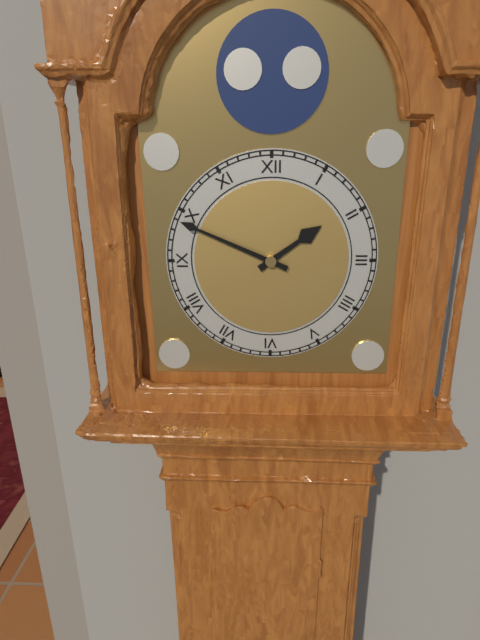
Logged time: 1 h 49 min
